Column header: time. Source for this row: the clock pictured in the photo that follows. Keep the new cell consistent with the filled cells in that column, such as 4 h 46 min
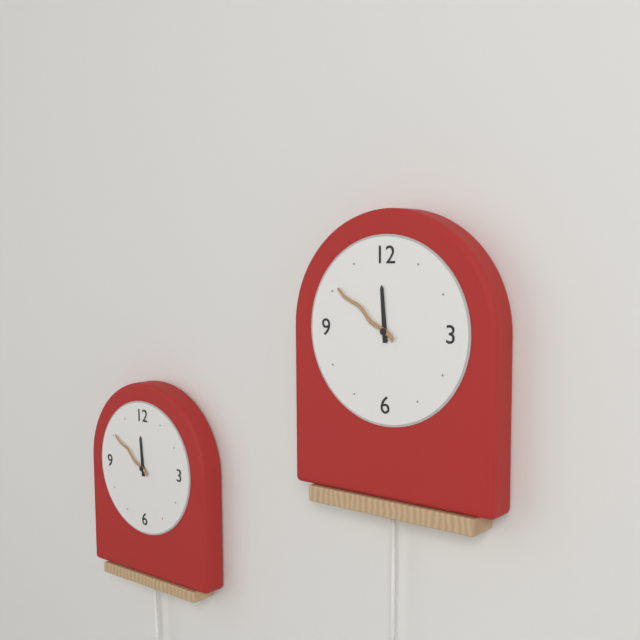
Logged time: 11 h 51 min
